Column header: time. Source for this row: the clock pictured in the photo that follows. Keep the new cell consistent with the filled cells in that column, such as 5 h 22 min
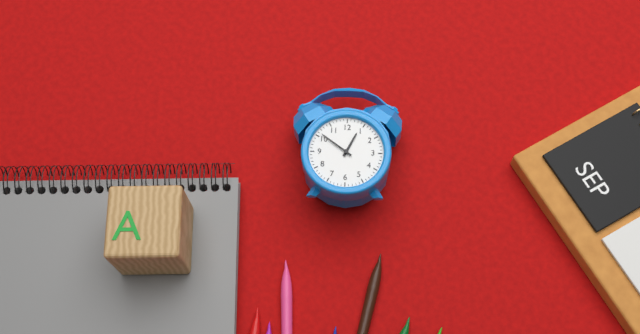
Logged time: 12 h 51 min
